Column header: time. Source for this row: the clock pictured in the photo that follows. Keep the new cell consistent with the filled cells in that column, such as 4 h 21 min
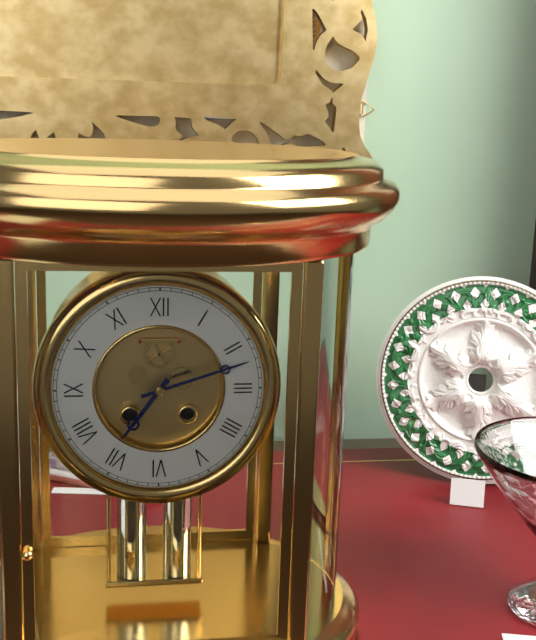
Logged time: 7 h 12 min
